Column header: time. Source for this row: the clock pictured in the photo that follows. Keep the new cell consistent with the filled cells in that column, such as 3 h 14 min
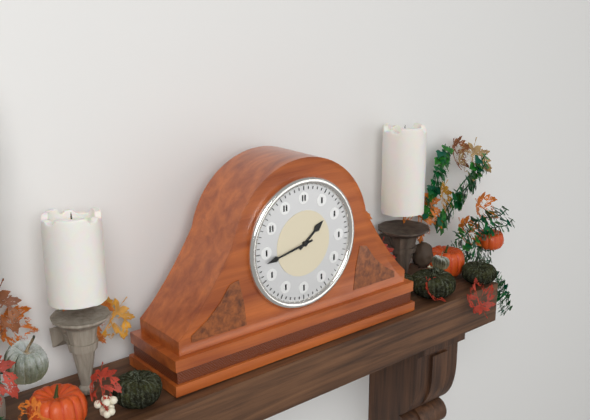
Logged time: 1 h 43 min
